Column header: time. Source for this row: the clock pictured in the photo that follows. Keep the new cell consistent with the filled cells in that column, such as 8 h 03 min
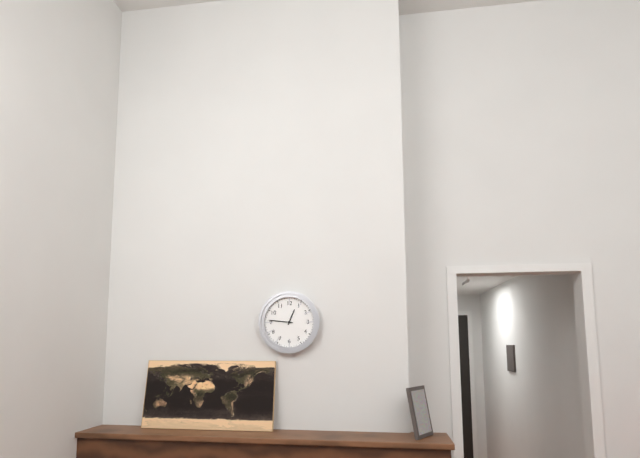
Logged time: 12 h 46 min
